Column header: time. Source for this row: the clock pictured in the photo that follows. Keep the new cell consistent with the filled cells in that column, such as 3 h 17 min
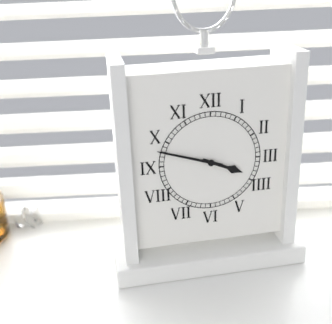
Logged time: 3 h 48 min
